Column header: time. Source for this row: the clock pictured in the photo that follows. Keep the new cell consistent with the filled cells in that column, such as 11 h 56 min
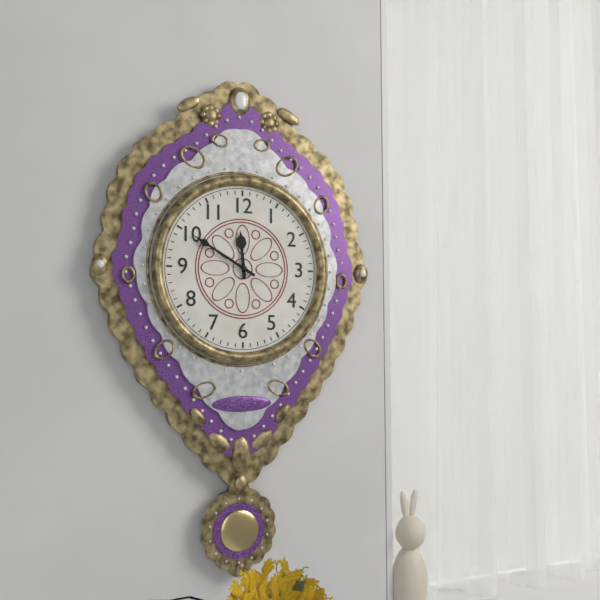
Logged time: 11 h 50 min
